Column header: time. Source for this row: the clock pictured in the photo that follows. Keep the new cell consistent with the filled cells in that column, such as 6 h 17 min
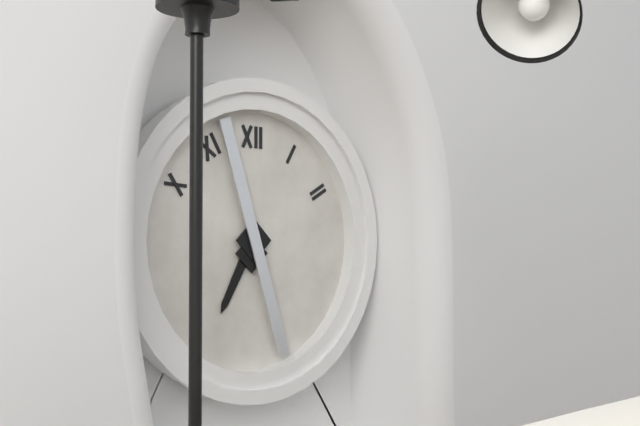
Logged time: 6 h 57 min
